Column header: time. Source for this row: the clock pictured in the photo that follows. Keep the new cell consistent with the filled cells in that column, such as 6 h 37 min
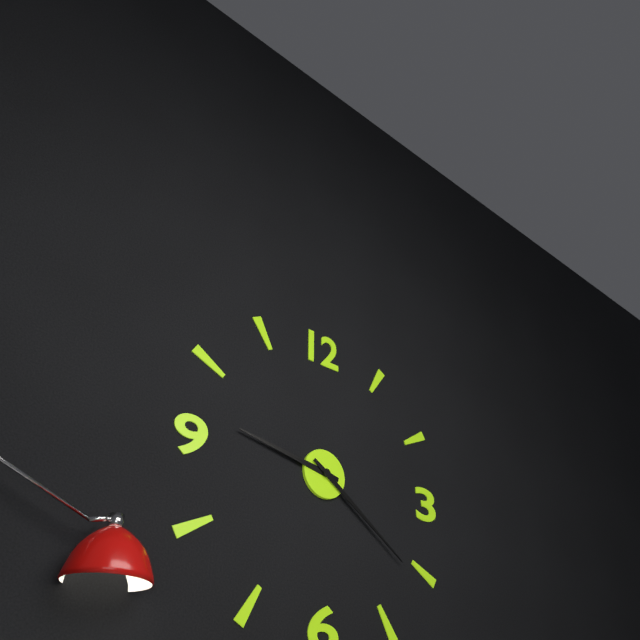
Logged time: 9 h 21 min
